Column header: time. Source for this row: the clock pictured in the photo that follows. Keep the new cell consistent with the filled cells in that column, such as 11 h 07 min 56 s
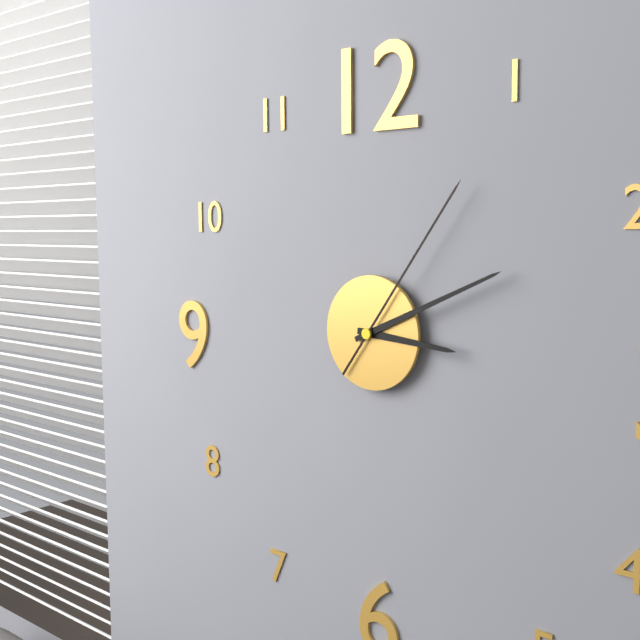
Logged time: 3 h 11 min 06 s
